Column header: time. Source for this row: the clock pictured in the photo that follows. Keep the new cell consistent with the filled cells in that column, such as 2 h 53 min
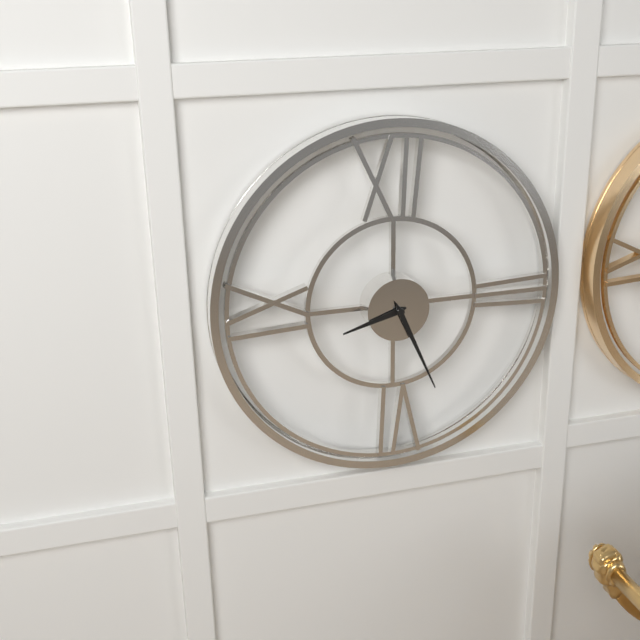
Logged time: 8 h 26 min
